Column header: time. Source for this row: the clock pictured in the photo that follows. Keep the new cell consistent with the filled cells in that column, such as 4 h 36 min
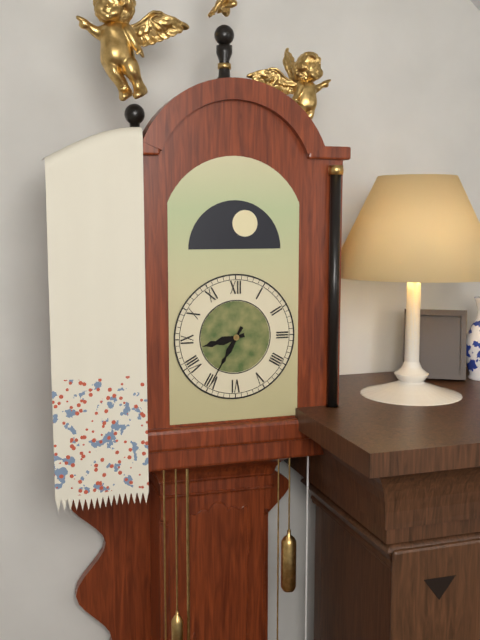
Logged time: 8 h 35 min
